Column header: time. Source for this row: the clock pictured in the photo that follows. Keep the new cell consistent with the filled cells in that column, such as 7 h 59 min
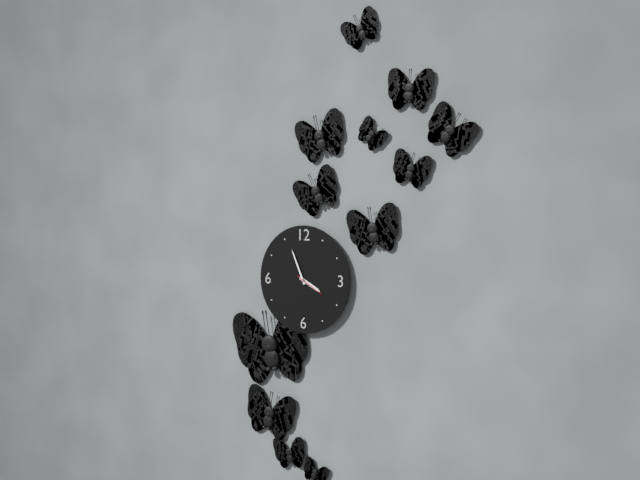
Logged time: 3 h 56 min
